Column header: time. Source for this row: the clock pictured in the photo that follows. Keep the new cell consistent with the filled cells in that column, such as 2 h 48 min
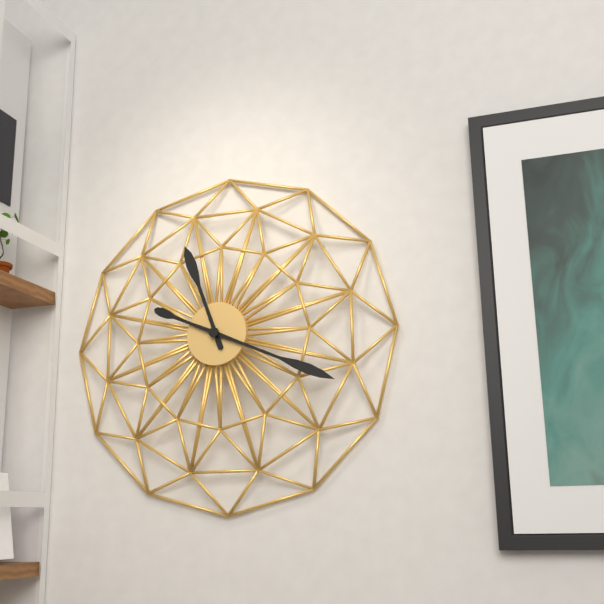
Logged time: 11 h 19 min
